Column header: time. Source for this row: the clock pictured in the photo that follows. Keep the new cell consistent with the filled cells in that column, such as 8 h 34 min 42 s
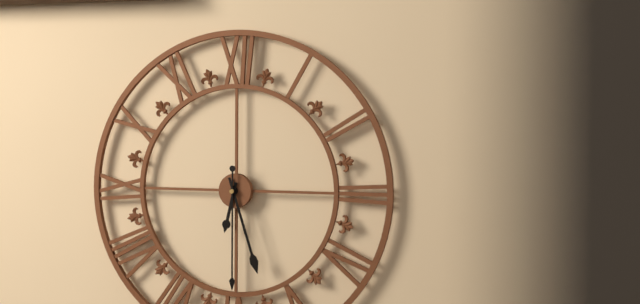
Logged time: 6 h 27 min 30 s
